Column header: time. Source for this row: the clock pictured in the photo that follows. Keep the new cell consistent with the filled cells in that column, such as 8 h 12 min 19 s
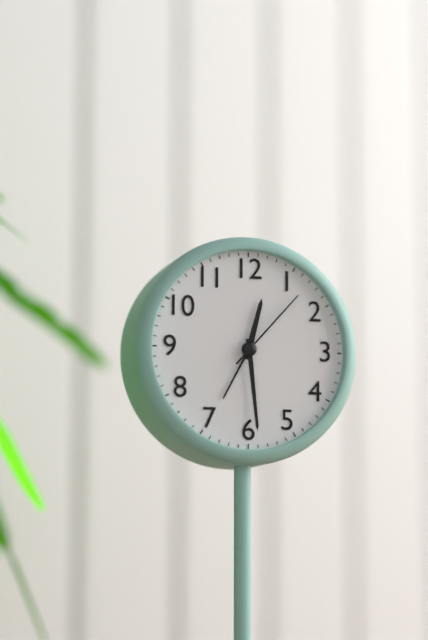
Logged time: 12 h 29 min 07 s
